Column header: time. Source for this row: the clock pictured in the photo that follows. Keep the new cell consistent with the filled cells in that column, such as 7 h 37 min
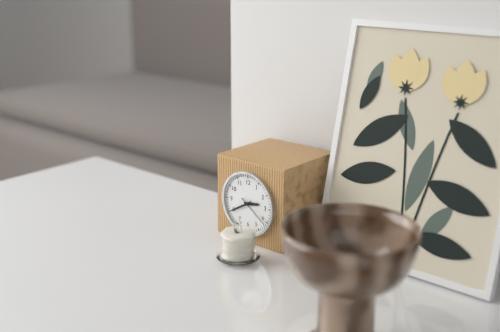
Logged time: 2 h 40 min
